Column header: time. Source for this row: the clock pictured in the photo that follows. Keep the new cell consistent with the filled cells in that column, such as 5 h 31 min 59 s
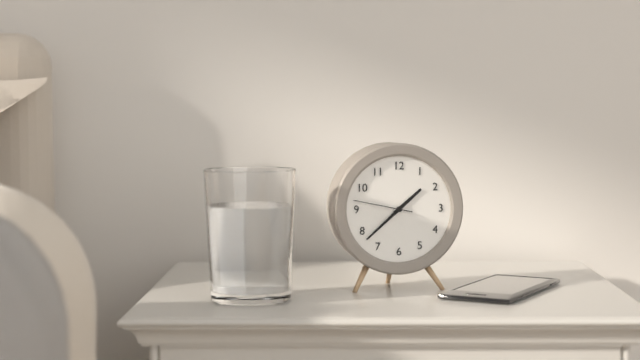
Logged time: 1 h 38 min 47 s
